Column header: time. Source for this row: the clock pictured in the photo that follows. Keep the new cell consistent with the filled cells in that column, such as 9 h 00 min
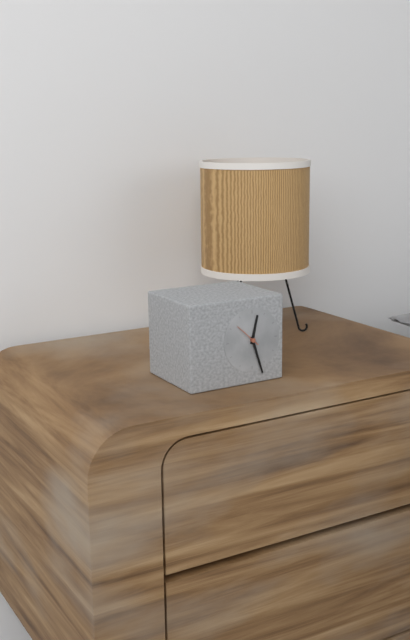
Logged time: 12 h 27 min
